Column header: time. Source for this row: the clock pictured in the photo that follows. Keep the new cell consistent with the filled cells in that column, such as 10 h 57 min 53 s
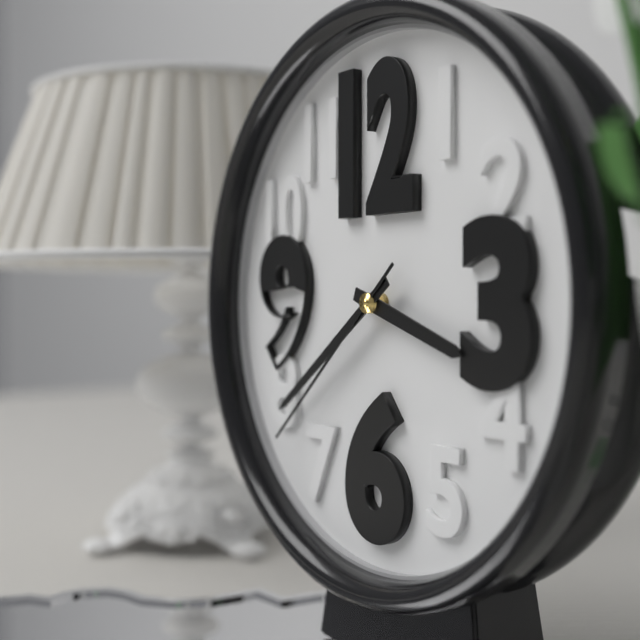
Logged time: 3 h 39 min 38 s
